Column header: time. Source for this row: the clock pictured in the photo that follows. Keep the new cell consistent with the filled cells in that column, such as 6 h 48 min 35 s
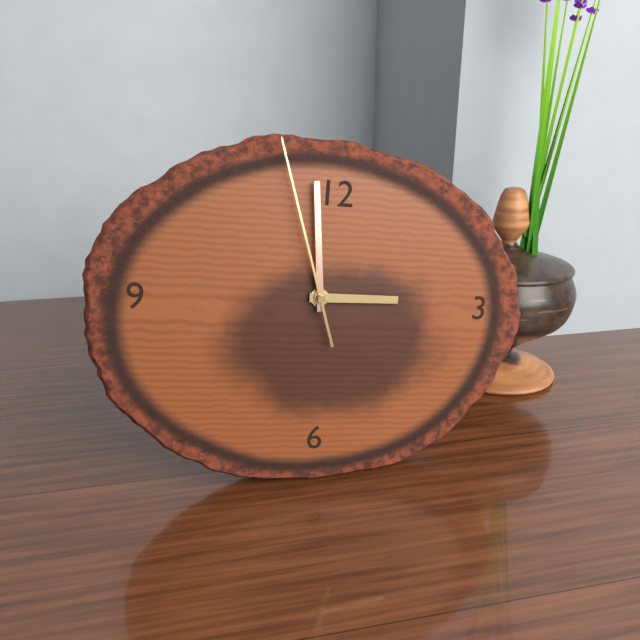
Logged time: 2 h 59 min 57 s
